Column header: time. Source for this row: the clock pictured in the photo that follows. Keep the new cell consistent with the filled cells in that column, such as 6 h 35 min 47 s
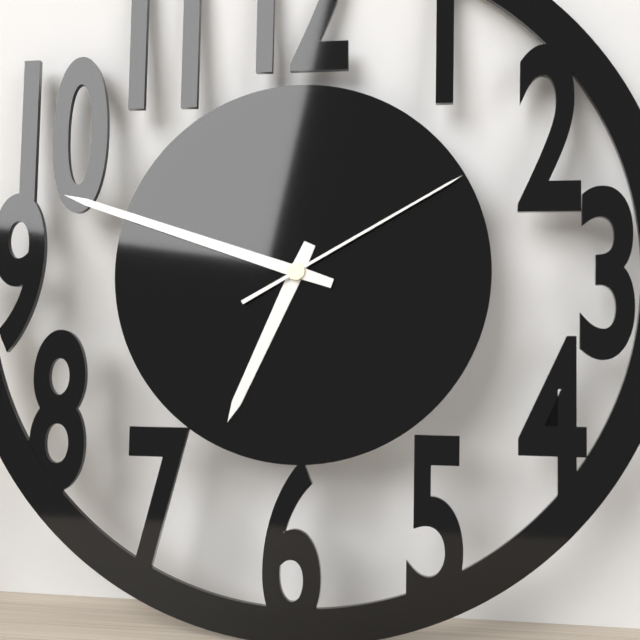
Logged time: 6 h 48 min 10 s
